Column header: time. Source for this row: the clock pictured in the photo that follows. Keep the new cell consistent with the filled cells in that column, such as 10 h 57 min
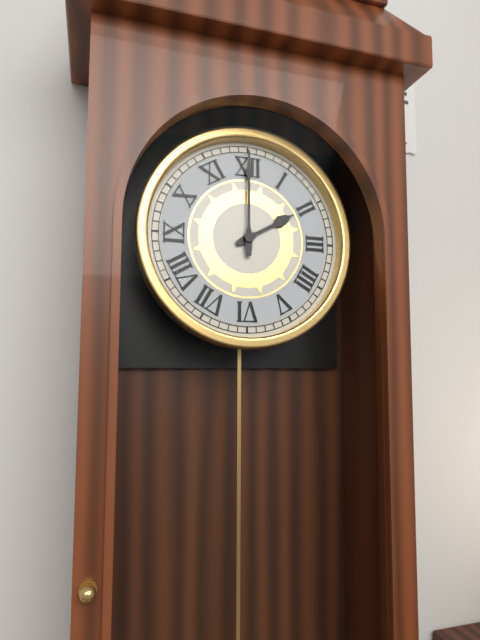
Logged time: 2 h 00 min
